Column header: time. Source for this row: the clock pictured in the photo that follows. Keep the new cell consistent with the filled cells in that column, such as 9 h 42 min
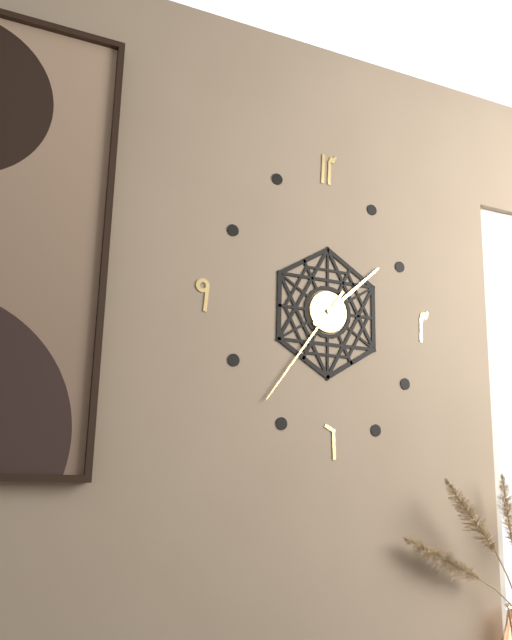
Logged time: 1 h 36 min
